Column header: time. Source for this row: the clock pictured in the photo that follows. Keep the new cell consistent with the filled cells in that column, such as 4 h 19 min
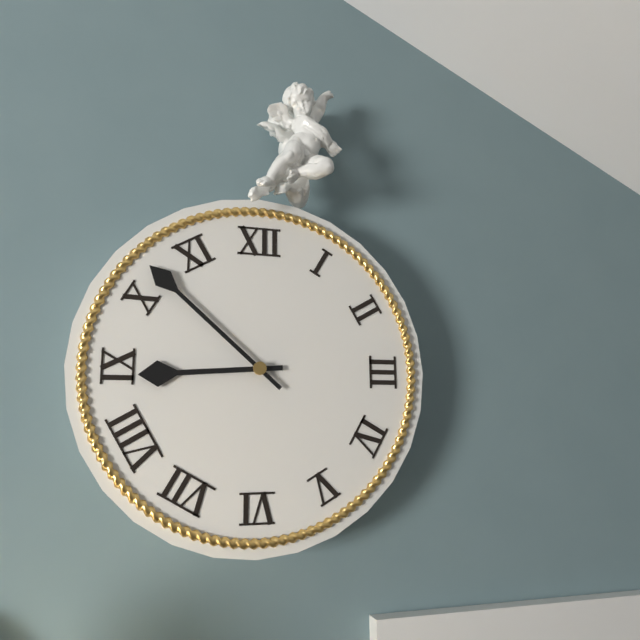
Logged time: 8 h 52 min
